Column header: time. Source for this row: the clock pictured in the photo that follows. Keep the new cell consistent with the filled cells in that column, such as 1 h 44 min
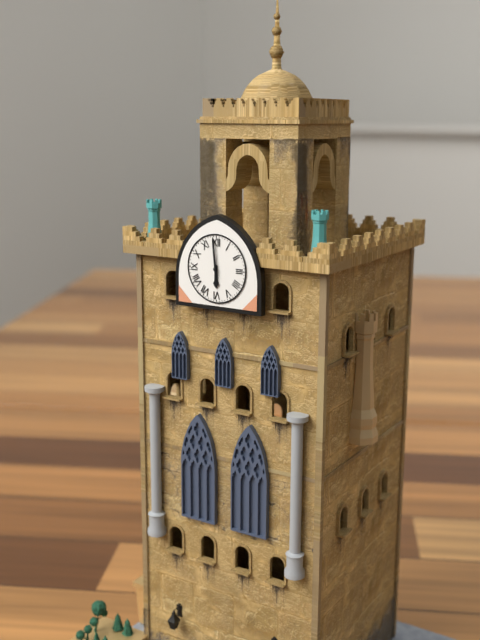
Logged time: 5 h 59 min
